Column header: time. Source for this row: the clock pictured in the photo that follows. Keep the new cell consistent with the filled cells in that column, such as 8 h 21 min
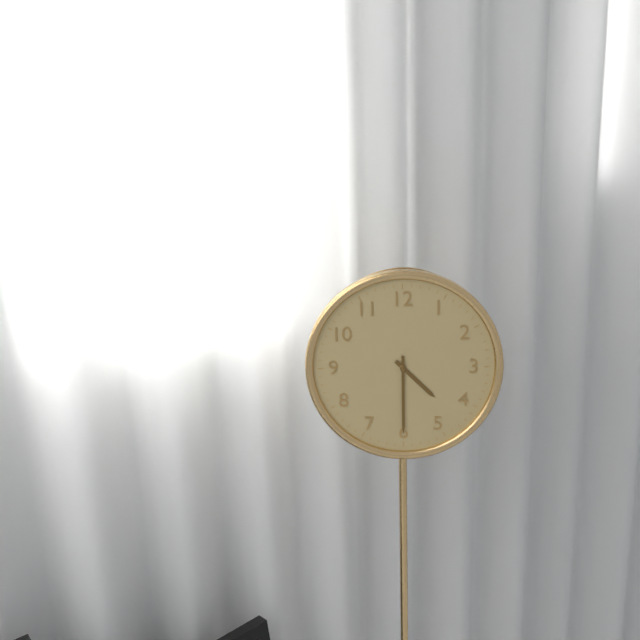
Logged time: 4 h 30 min
